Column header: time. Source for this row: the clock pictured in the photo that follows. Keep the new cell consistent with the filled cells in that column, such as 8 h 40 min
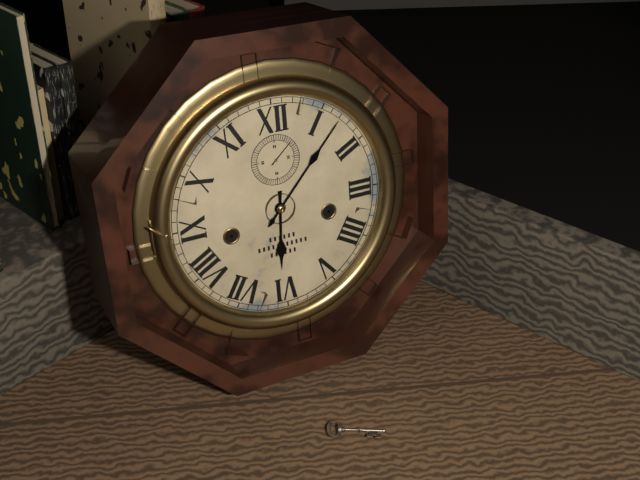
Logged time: 6 h 07 min
